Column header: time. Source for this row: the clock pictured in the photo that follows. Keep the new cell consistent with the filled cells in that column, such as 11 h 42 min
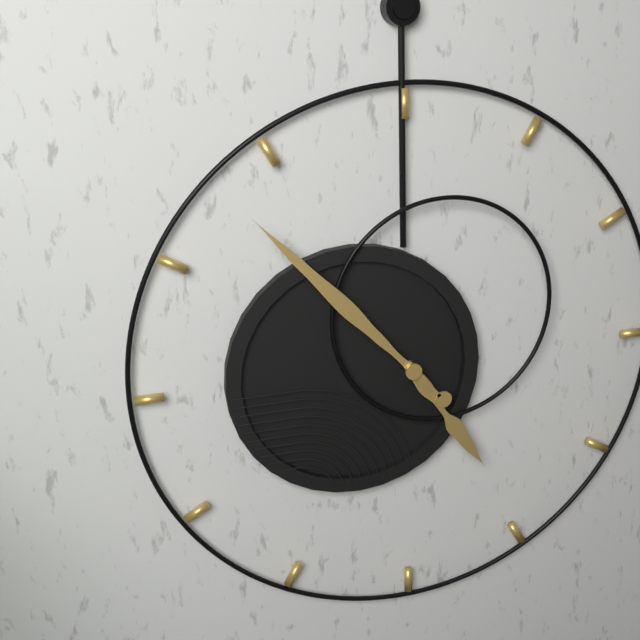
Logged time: 4 h 53 min
